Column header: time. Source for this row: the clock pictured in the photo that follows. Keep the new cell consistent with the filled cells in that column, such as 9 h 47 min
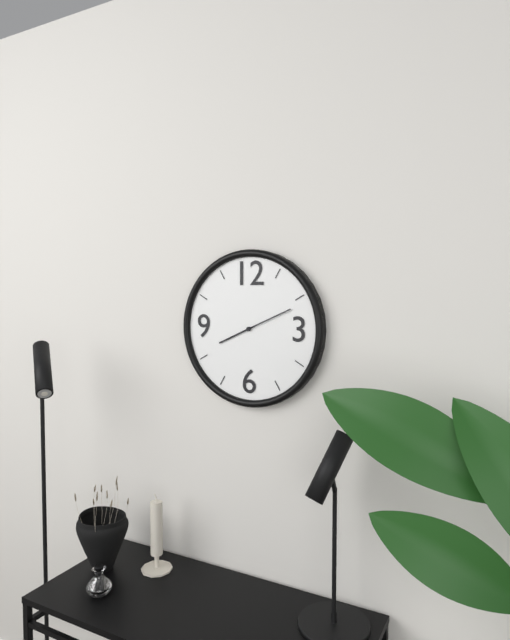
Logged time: 8 h 11 min
